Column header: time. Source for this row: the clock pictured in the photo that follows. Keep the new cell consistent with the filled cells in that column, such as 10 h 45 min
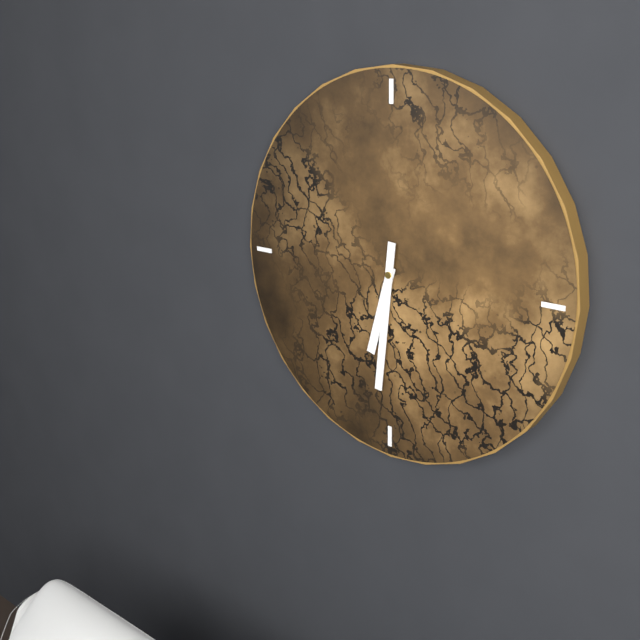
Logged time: 6 h 31 min
